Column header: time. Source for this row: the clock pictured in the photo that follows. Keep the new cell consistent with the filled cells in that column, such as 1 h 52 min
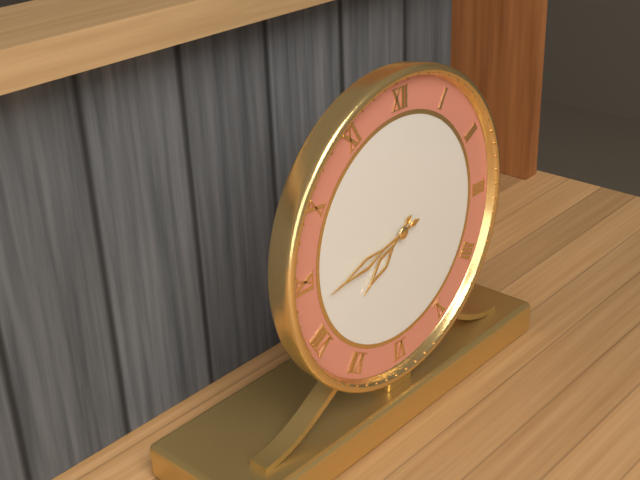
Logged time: 7 h 43 min
